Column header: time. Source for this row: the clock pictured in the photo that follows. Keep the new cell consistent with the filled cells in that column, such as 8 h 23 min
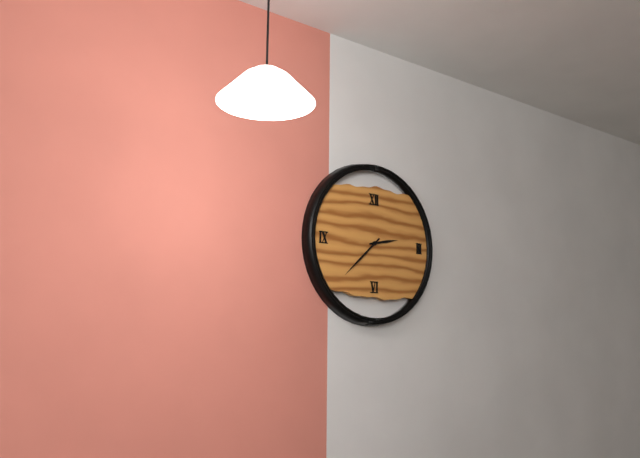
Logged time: 2 h 38 min
